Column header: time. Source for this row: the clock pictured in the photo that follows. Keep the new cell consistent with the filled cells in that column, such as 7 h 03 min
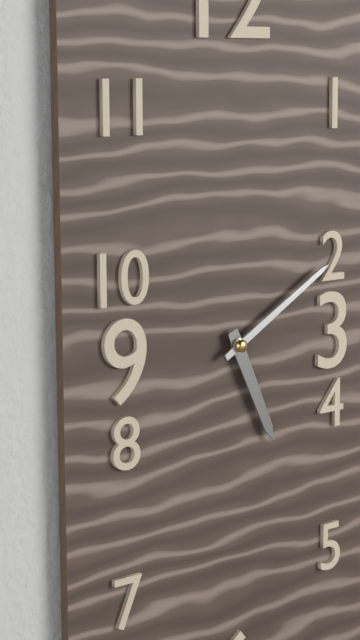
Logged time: 5 h 10 min
